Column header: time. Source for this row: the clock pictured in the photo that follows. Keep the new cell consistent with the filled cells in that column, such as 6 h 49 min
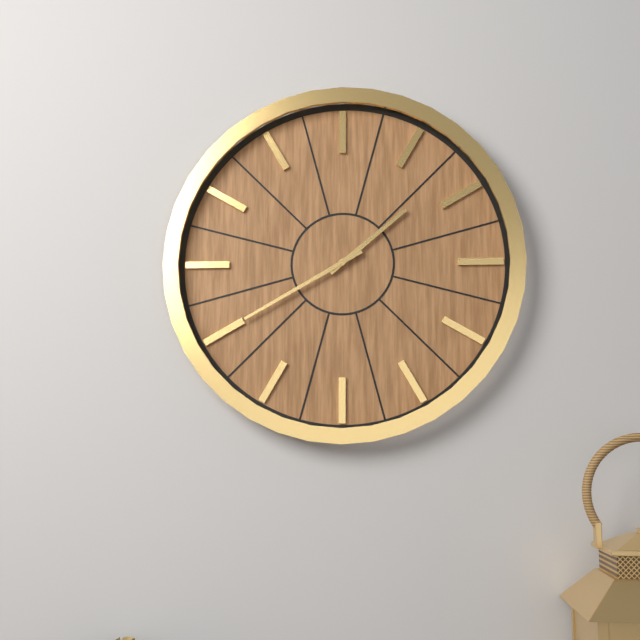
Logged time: 1 h 40 min
